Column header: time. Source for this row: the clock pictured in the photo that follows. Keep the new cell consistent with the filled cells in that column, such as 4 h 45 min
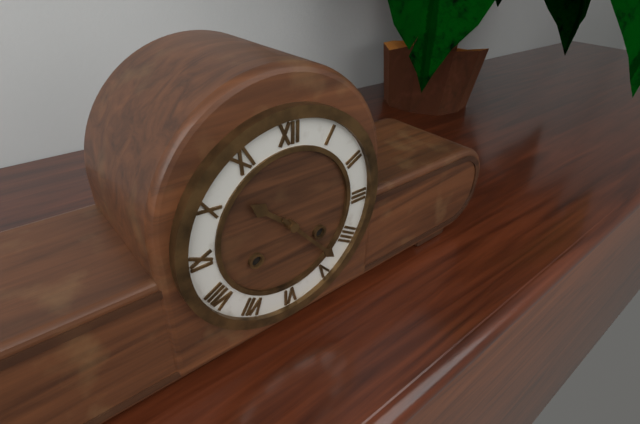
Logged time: 10 h 23 min
